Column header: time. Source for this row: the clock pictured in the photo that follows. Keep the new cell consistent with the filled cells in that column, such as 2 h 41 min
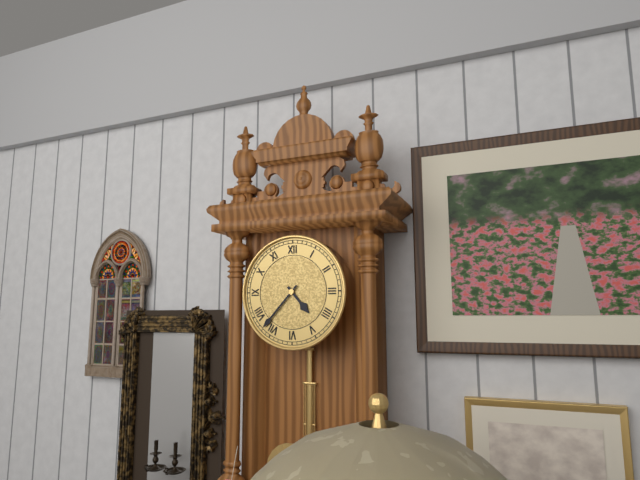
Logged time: 4 h 37 min
